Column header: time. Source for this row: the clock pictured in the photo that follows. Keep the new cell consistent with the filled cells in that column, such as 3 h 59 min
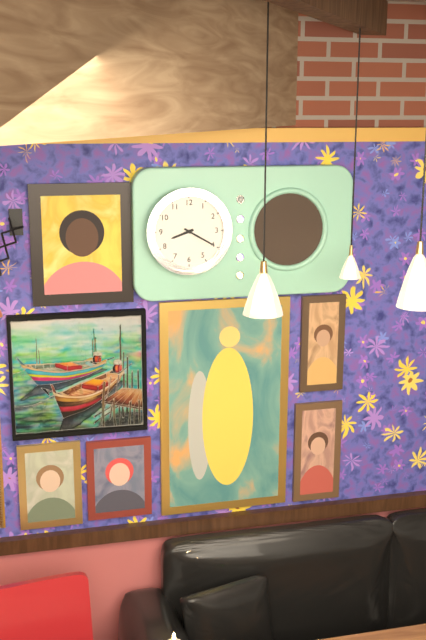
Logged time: 8 h 20 min
